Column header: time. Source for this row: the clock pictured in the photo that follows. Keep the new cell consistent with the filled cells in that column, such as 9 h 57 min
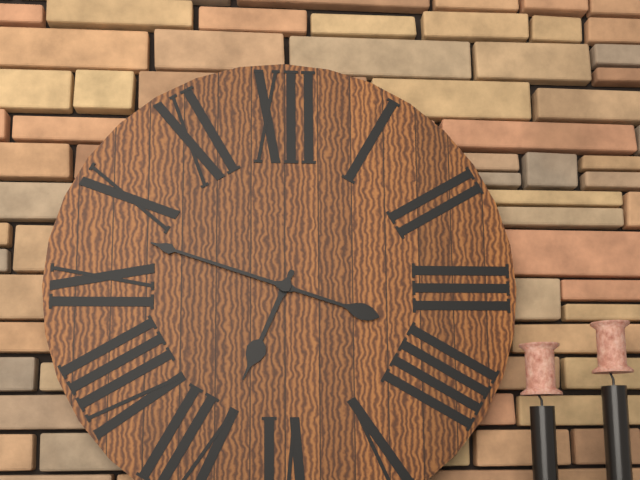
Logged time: 6 h 48 min
